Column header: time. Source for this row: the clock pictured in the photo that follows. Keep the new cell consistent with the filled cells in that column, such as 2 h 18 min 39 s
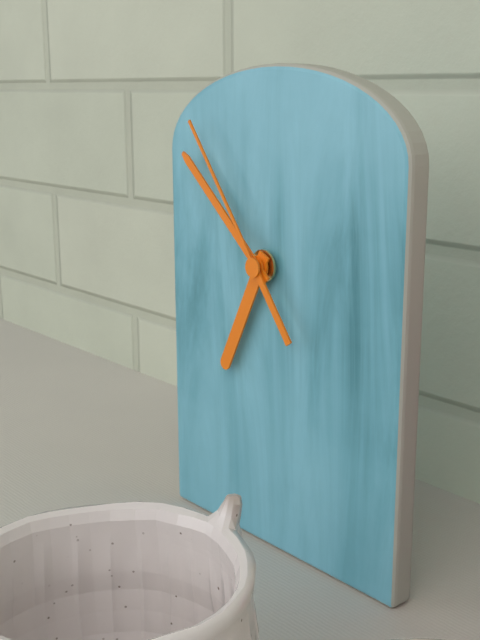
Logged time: 6 h 52 min 54 s
